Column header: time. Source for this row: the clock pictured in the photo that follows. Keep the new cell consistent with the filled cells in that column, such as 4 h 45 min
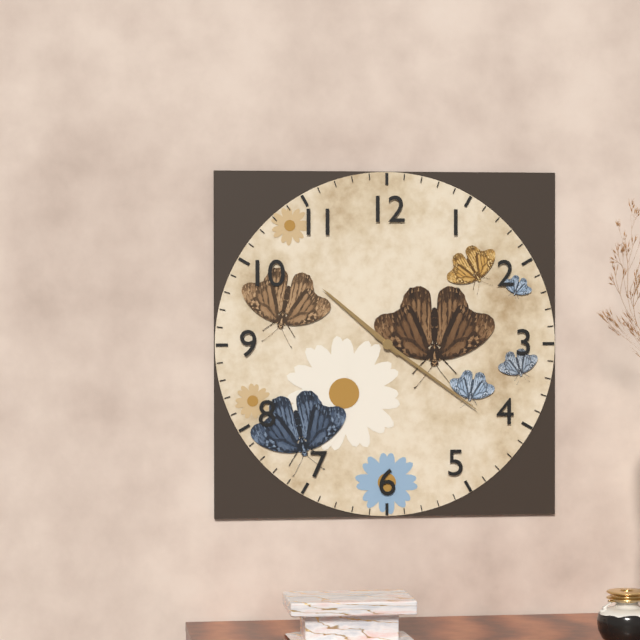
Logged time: 10 h 21 min
